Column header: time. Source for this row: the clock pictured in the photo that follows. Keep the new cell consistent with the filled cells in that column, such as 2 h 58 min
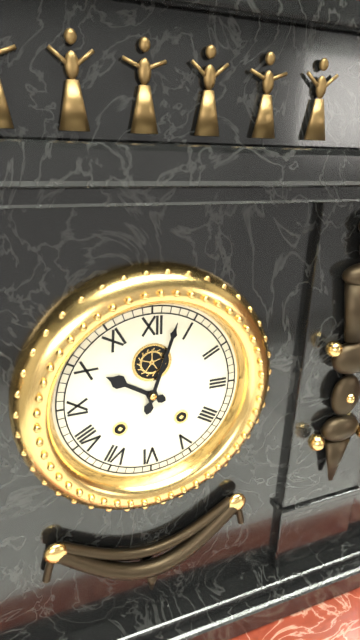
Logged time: 10 h 03 min
